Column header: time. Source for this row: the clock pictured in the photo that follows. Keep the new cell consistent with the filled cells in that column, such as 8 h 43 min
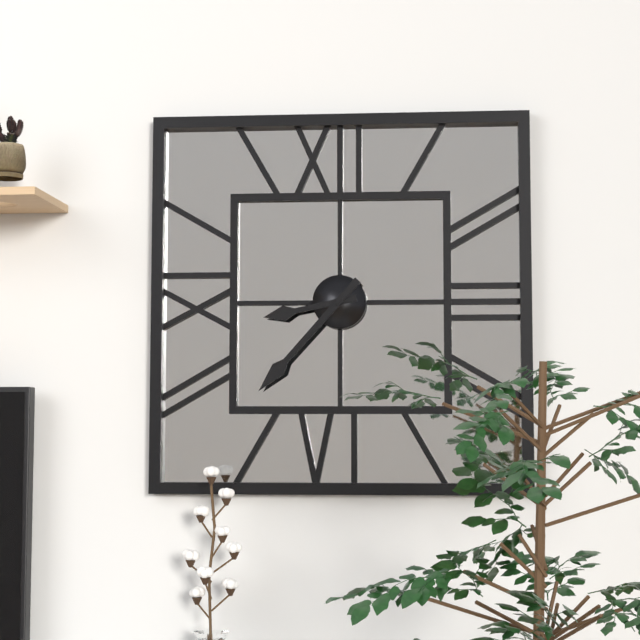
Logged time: 8 h 37 min
